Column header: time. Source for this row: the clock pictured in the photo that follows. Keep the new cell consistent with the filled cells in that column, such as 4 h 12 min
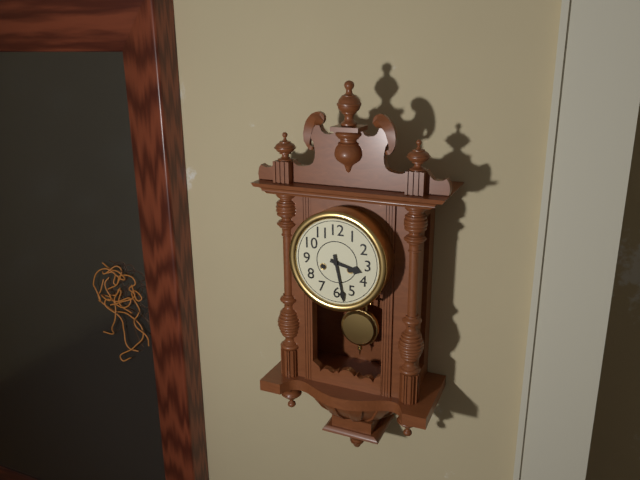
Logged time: 3 h 28 min
